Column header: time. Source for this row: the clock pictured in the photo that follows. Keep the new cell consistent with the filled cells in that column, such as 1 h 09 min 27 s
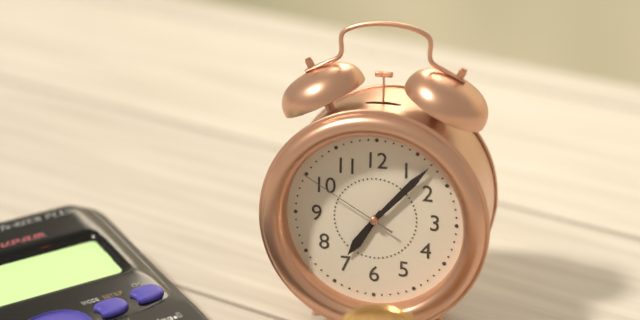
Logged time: 7 h 07 min 50 s
